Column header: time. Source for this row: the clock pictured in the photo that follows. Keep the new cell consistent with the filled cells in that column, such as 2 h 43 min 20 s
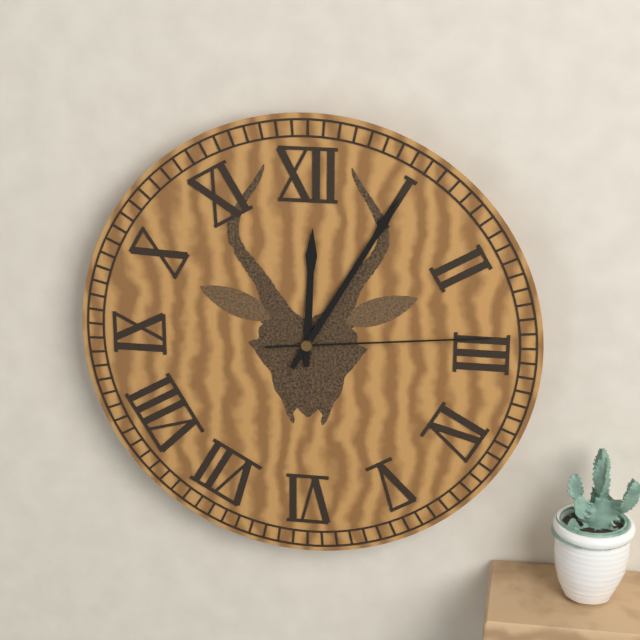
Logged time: 12 h 05 min 14 s
